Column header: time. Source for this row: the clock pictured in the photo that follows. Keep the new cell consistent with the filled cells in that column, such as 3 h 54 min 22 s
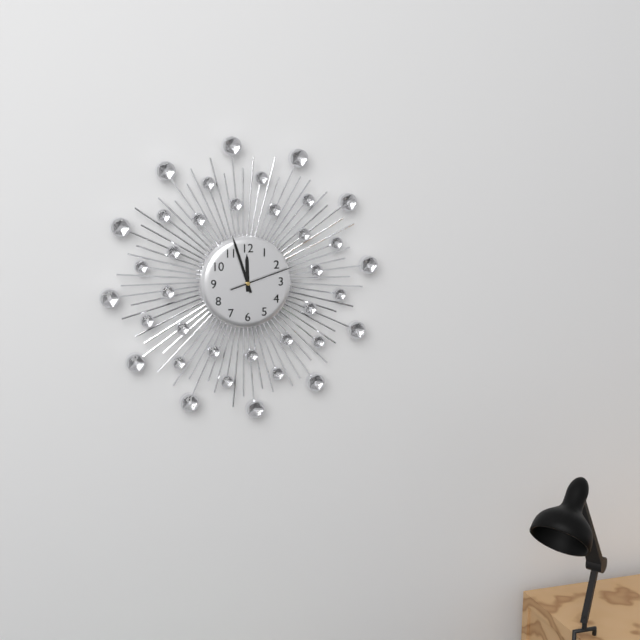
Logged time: 11 h 57 min 12 s
